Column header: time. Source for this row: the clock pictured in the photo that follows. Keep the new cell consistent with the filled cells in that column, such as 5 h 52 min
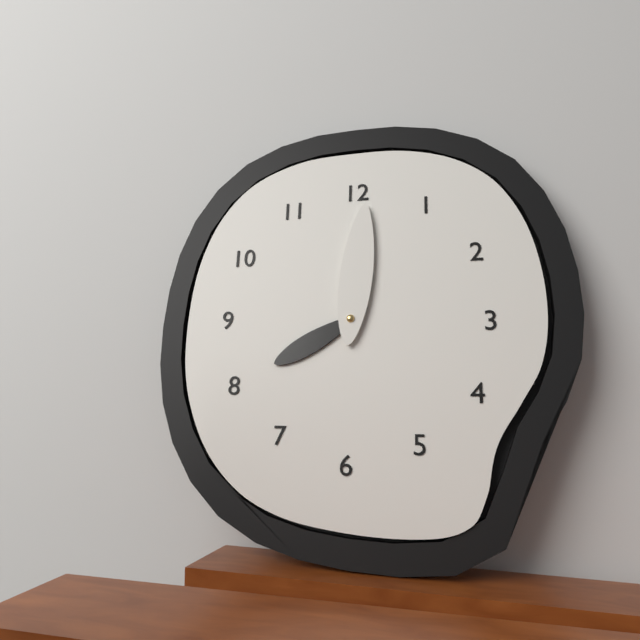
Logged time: 8 h 01 min
